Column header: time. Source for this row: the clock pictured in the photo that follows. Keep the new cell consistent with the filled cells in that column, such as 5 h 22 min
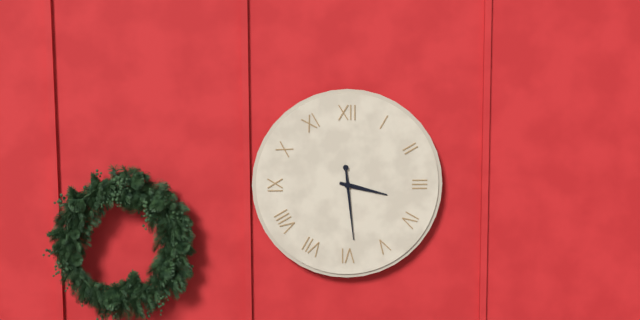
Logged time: 3 h 29 min
